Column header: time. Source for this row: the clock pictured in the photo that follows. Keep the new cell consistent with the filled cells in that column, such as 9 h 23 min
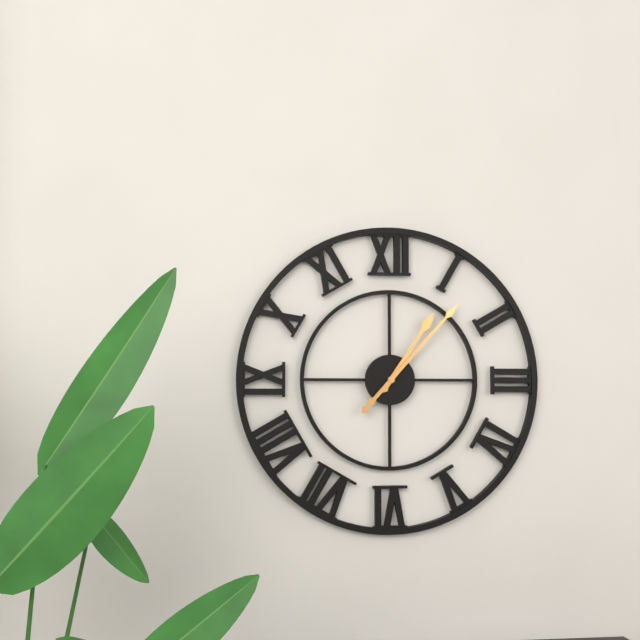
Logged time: 1 h 07 min
